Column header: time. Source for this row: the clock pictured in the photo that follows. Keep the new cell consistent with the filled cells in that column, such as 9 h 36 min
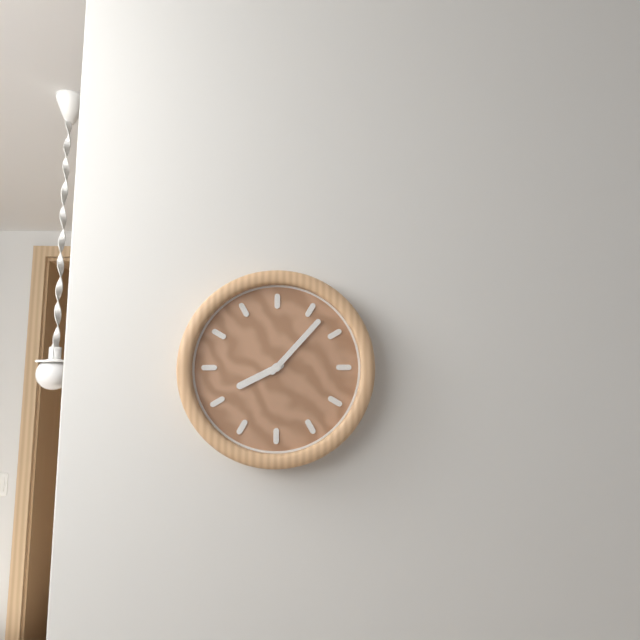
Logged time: 8 h 07 min
